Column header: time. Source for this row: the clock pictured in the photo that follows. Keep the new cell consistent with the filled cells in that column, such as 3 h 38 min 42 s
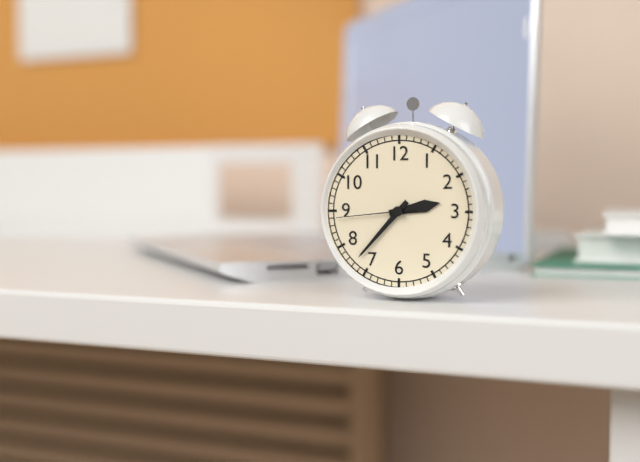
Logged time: 2 h 37 min 44 s
